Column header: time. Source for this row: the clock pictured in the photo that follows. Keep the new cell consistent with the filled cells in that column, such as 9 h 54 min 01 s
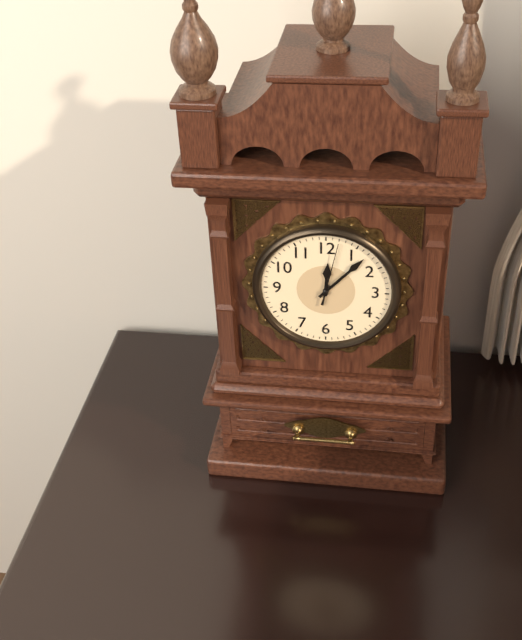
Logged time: 12 h 07 min 02 s
